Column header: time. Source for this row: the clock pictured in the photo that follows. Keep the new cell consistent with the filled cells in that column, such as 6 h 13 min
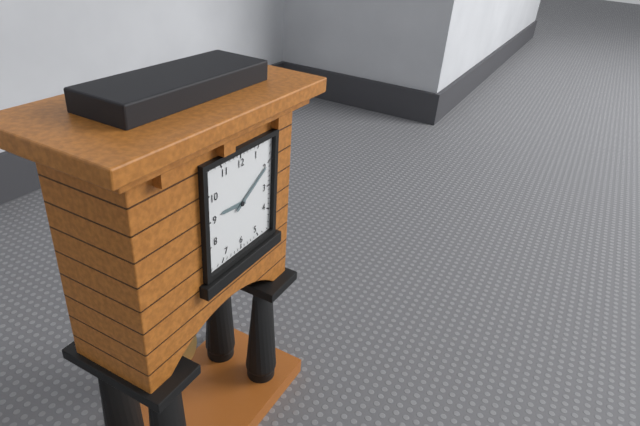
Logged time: 9 h 10 min
